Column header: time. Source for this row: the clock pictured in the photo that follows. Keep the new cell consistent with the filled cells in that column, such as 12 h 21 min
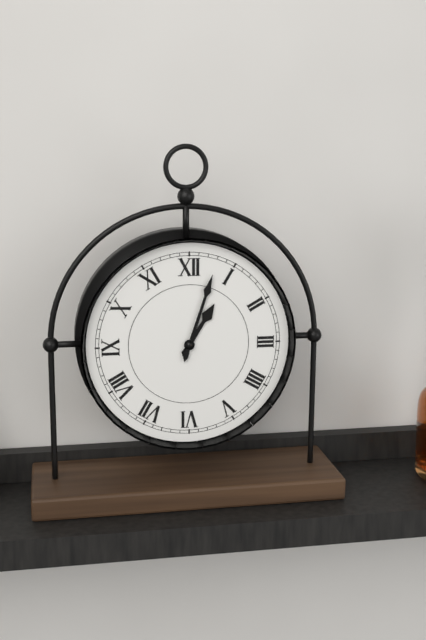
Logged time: 1 h 03 min
